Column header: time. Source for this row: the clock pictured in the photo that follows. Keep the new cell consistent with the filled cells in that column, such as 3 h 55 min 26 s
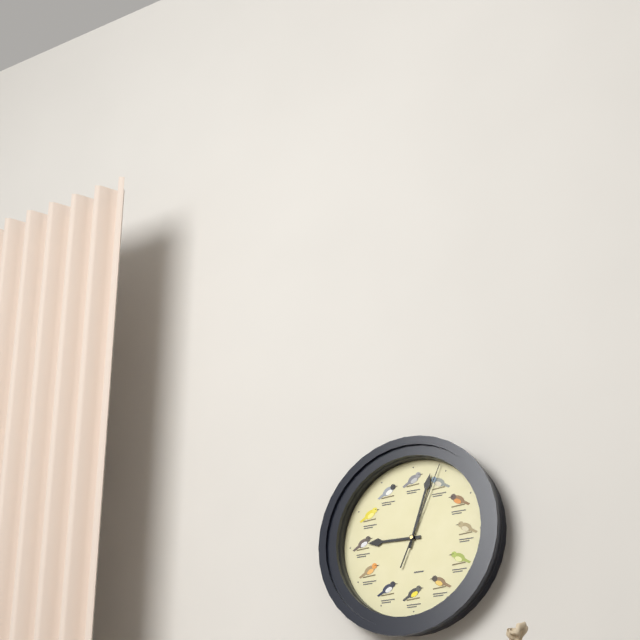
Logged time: 9 h 03 min 04 s
